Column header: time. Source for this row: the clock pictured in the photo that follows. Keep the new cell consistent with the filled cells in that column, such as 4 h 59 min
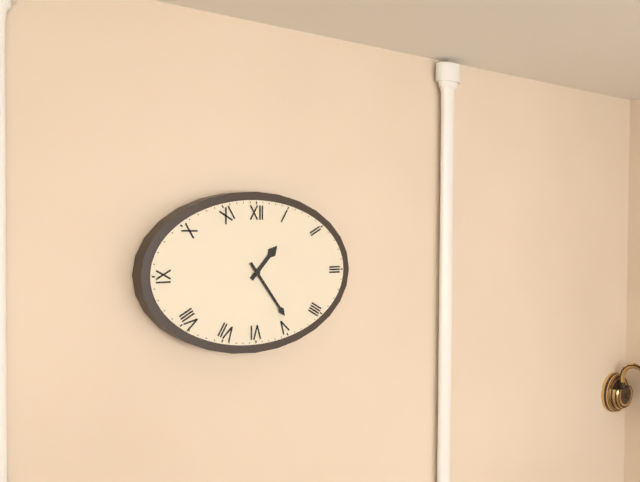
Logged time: 1 h 24 min
